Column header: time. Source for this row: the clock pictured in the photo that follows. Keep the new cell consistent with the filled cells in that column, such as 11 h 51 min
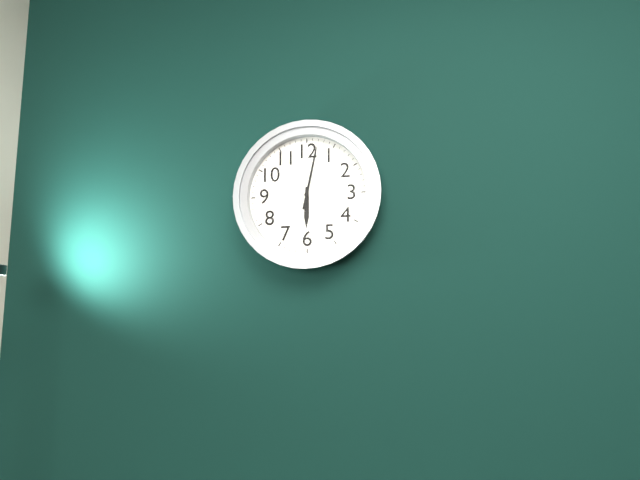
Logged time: 6 h 02 min
